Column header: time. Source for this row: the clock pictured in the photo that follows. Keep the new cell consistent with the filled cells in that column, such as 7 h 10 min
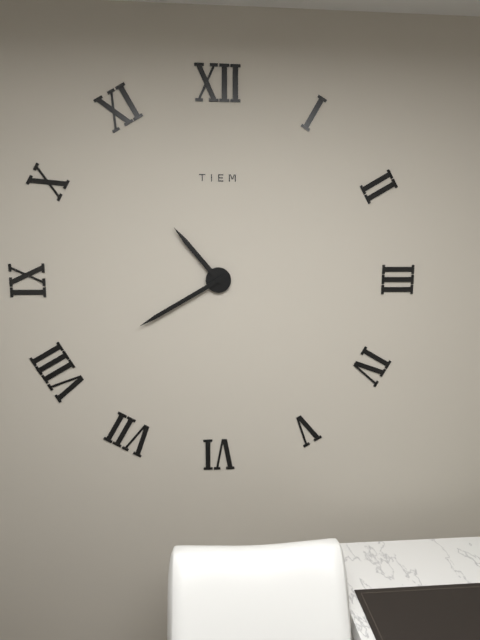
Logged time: 10 h 40 min
